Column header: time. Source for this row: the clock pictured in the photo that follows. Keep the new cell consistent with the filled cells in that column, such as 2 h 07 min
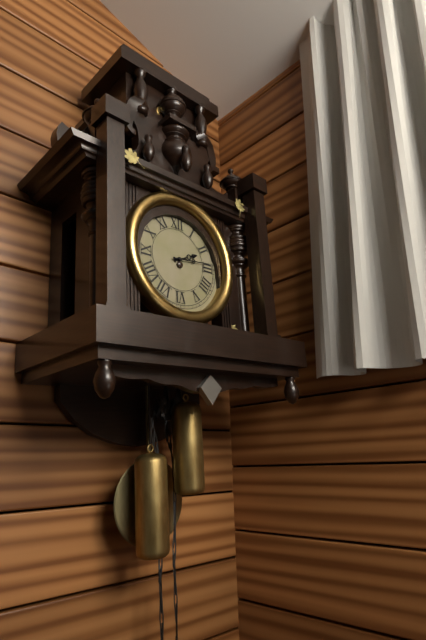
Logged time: 2 h 14 min
